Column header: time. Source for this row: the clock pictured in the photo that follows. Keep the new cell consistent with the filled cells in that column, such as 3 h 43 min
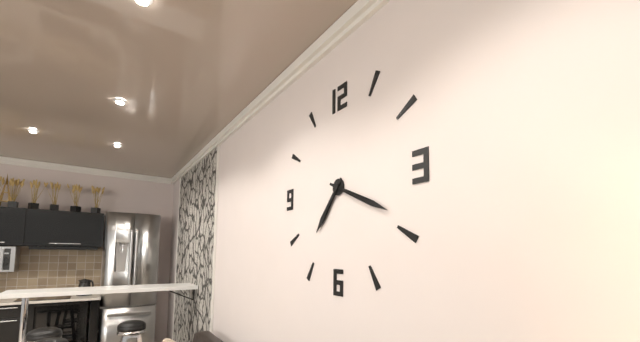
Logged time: 7 h 19 min
